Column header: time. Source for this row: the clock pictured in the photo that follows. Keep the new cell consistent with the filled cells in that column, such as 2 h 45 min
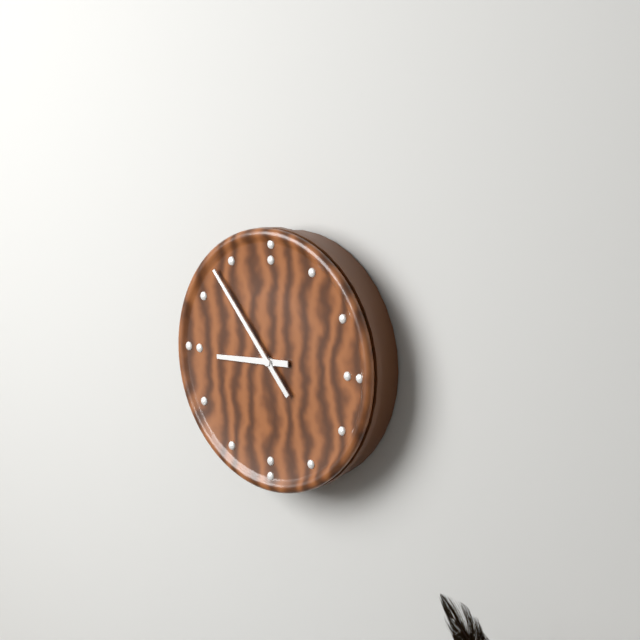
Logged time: 8 h 53 min
